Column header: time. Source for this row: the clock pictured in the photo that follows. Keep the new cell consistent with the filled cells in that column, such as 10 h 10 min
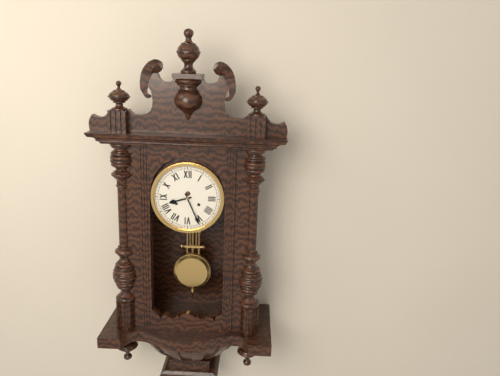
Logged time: 8 h 26 min
